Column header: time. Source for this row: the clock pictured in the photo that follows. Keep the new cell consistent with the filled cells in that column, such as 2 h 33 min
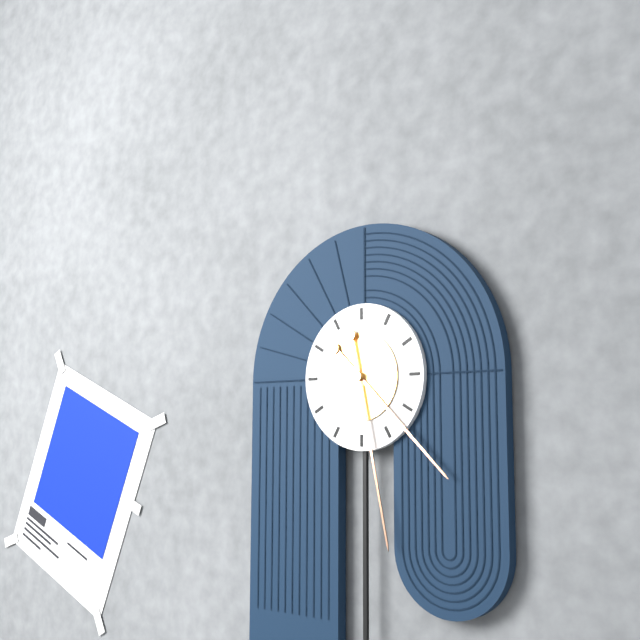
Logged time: 4 h 28 min
